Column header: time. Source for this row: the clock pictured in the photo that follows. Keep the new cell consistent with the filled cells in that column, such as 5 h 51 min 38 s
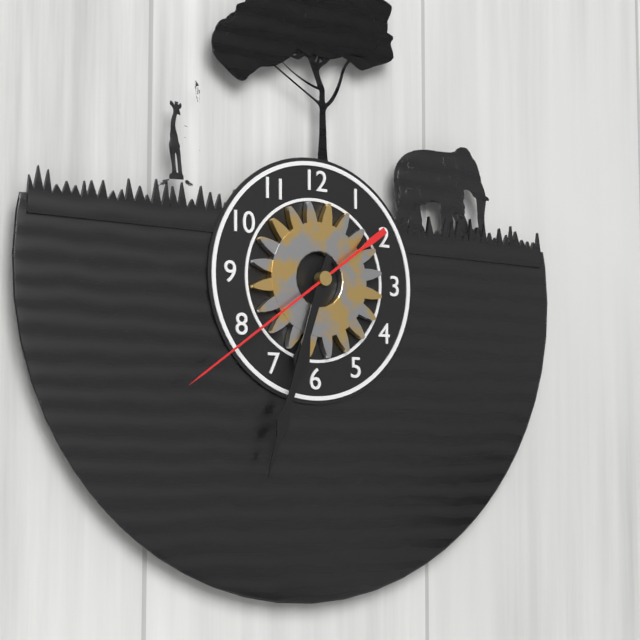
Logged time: 6 h 33 min 39 s
